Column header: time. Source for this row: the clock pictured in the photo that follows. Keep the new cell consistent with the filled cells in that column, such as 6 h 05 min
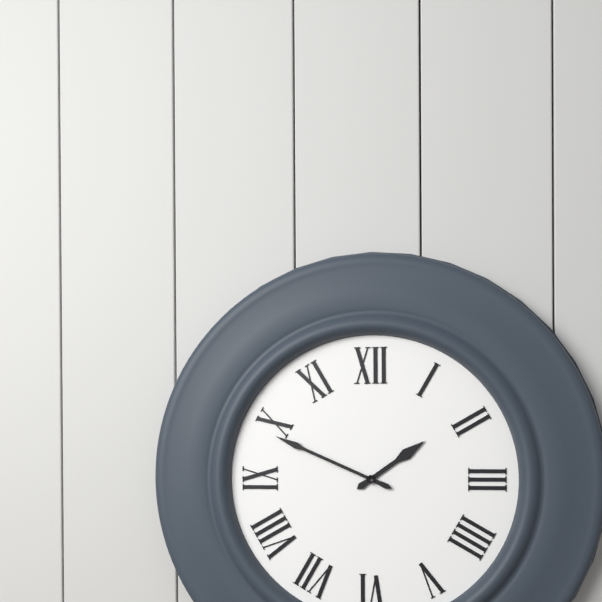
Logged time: 1 h 49 min
